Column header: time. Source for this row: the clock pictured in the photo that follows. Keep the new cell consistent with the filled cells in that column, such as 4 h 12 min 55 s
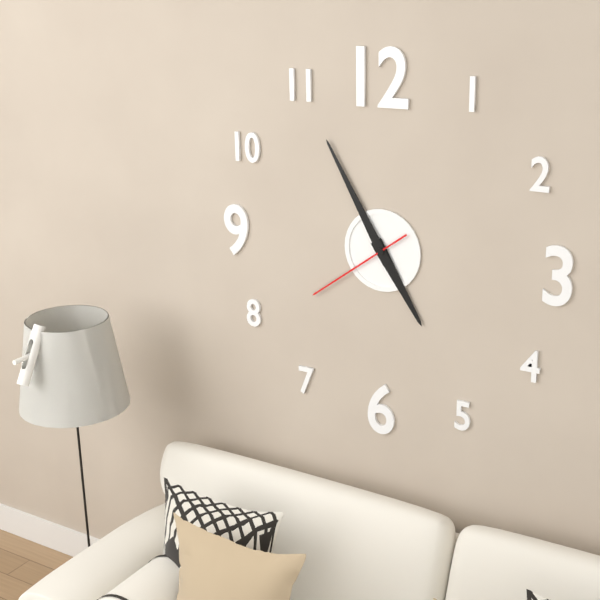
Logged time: 4 h 55 min 39 s
